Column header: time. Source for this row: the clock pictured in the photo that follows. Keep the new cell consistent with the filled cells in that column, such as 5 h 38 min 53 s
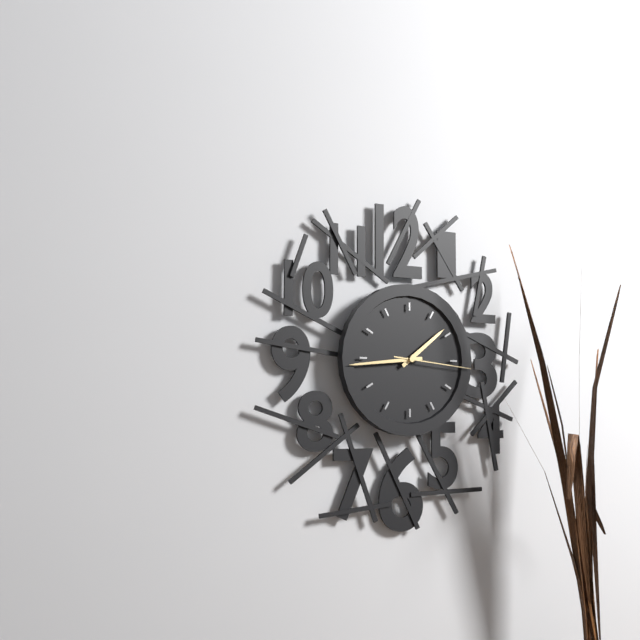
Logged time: 1 h 44 min 16 s
